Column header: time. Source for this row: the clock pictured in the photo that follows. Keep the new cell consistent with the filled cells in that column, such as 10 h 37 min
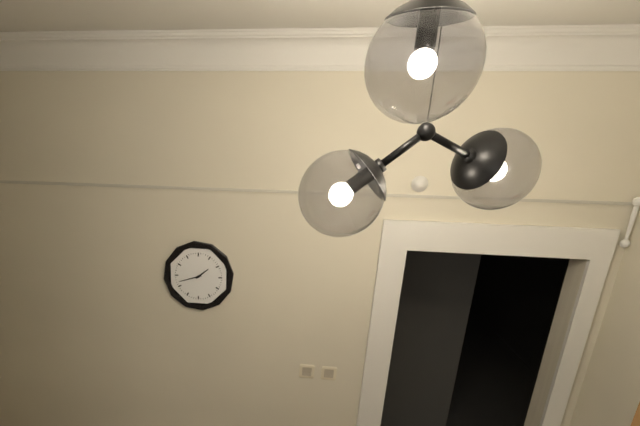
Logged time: 1 h 42 min
